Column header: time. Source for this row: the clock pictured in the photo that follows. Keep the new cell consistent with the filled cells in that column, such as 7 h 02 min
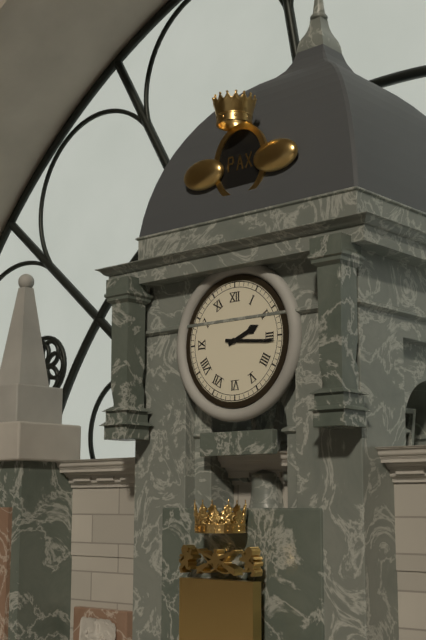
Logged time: 2 h 16 min
